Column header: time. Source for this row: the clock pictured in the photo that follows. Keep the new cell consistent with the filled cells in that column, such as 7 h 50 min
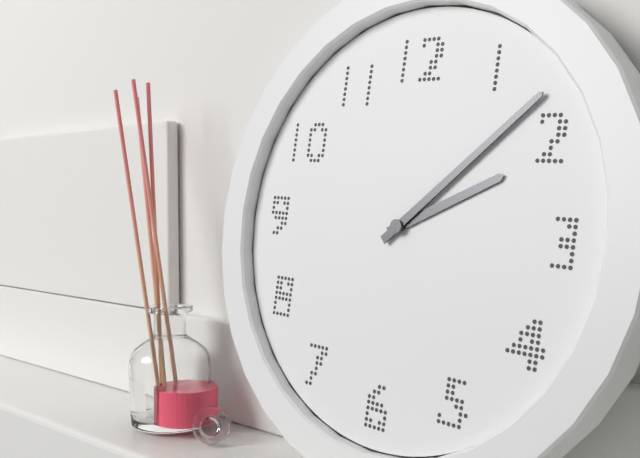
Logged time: 2 h 08 min
